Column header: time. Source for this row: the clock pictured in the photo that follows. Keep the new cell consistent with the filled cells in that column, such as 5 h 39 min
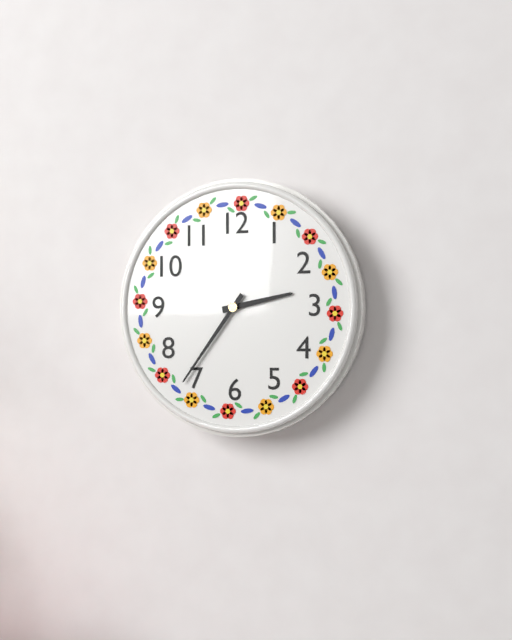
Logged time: 2 h 36 min
